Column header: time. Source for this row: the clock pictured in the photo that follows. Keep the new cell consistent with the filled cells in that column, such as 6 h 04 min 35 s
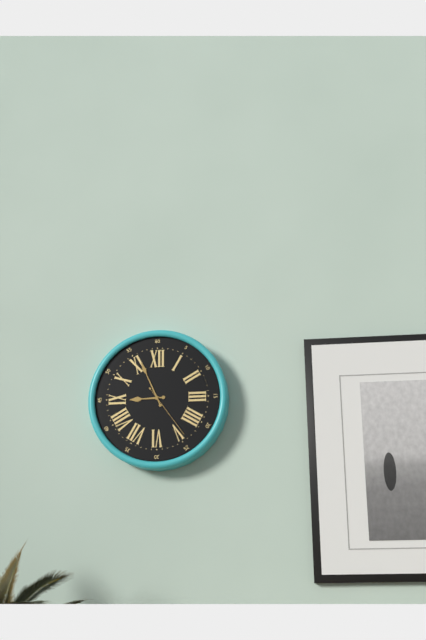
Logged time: 8 h 56 min 24 s
